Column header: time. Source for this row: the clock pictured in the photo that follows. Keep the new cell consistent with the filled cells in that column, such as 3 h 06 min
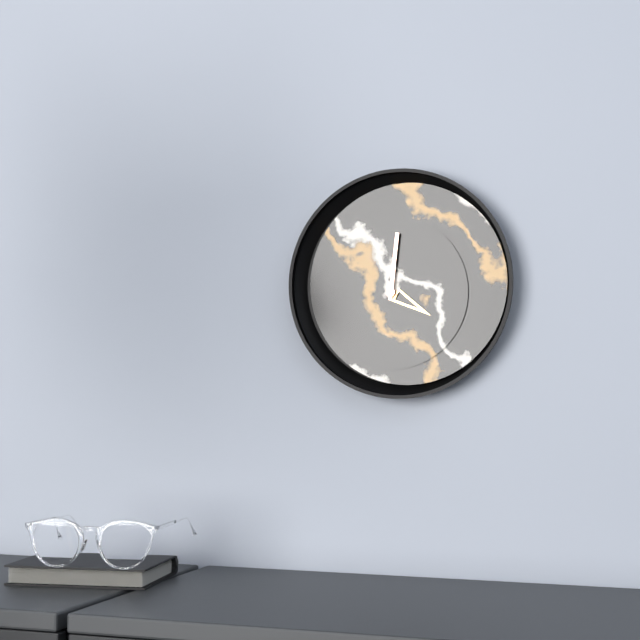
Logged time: 4 h 01 min
